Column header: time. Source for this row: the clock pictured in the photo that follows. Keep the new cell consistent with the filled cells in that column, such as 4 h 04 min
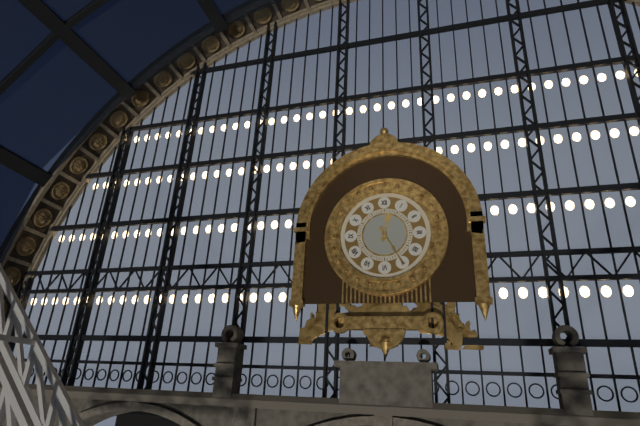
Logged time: 12 h 25 min
